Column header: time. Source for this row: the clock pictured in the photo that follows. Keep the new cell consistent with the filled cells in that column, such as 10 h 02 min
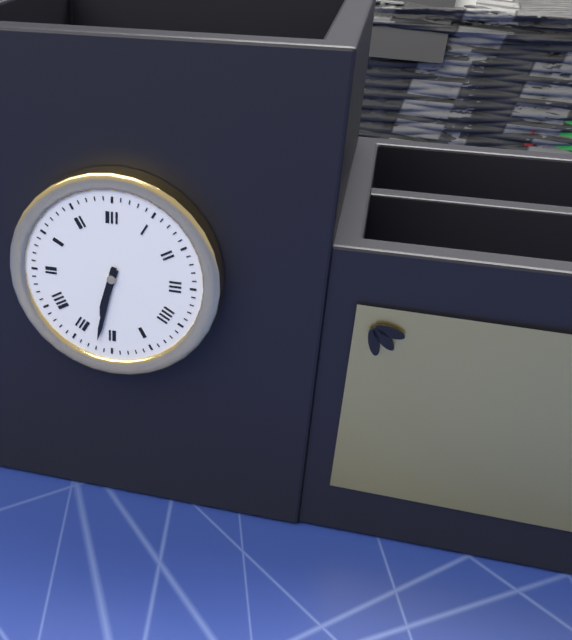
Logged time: 6 h 32 min
